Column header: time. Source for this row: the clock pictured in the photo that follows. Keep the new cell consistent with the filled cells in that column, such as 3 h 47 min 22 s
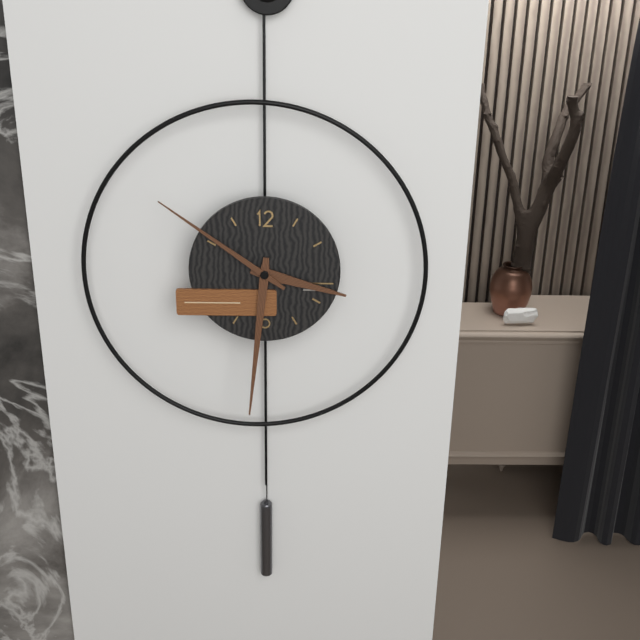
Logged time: 3 h 31 min 51 s
